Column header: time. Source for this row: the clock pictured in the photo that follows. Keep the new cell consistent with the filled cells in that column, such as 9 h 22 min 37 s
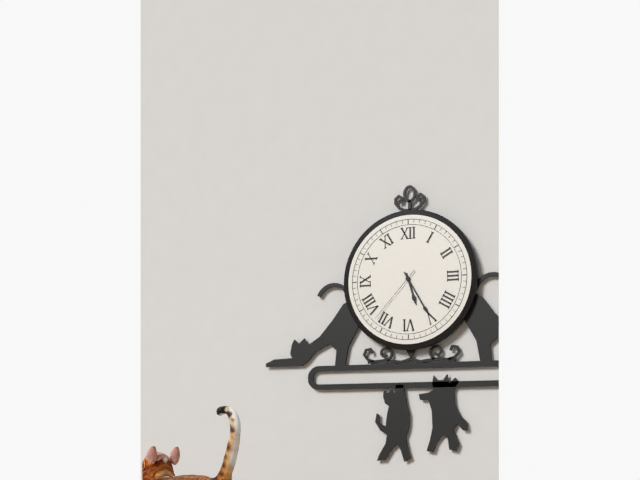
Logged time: 5 h 25 min 37 s
